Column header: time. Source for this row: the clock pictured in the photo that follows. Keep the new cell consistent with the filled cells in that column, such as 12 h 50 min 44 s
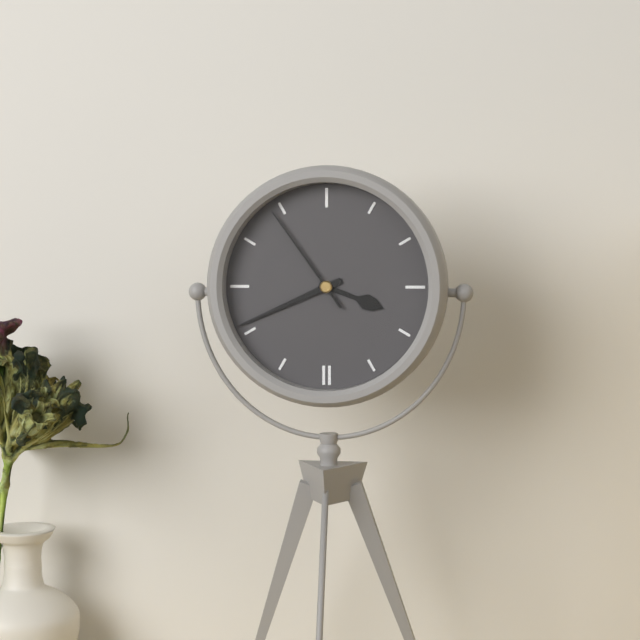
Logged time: 3 h 41 min 54 s
